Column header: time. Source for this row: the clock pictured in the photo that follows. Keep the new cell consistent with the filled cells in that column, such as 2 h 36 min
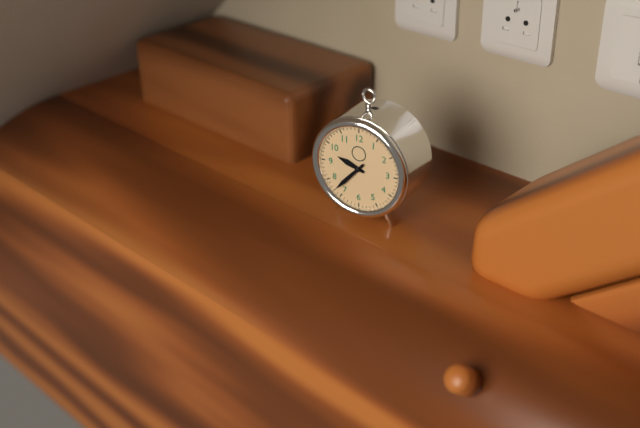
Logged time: 9 h 37 min
